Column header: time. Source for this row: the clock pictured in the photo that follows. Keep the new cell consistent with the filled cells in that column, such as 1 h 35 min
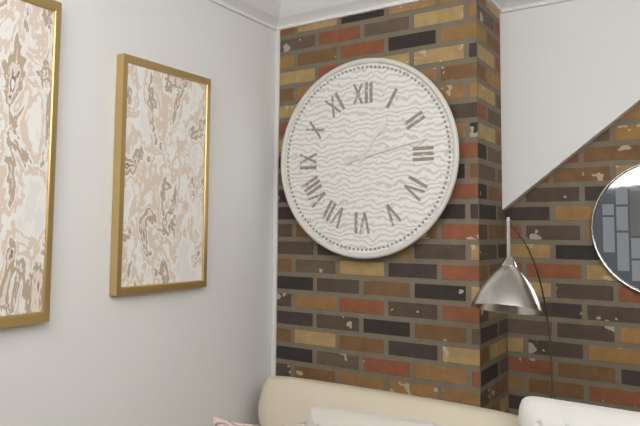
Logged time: 1 h 13 min
